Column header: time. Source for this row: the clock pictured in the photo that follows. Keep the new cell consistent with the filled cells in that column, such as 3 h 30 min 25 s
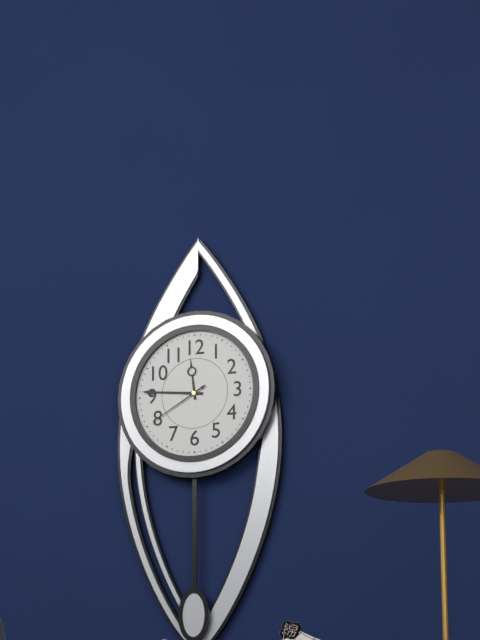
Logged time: 11 h 46 min 40 s
